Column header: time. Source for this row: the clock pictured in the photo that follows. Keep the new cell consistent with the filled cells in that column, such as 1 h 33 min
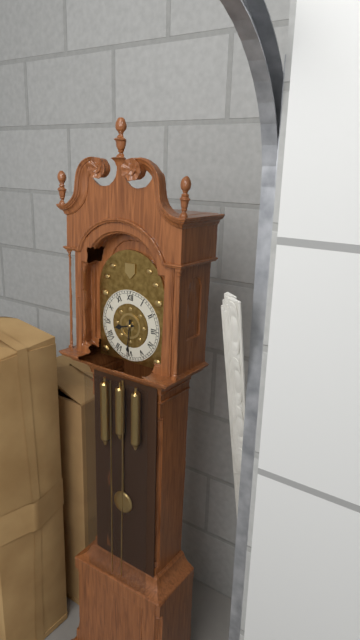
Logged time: 8 h 31 min
